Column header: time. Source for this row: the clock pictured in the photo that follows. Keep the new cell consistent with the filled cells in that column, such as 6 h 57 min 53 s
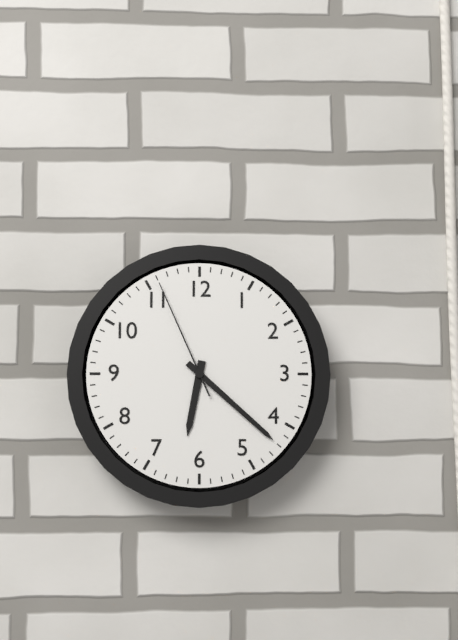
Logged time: 6 h 22 min 56 s
